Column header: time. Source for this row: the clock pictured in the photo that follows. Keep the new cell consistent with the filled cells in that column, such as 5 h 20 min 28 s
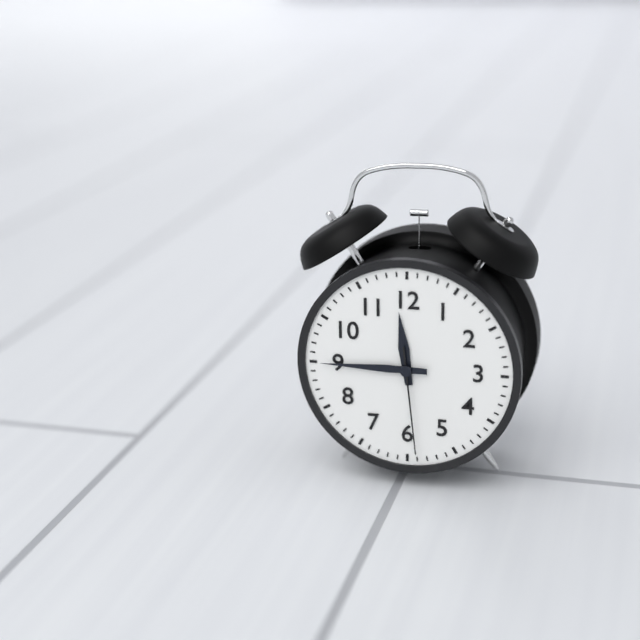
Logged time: 11 h 45 min 29 s
